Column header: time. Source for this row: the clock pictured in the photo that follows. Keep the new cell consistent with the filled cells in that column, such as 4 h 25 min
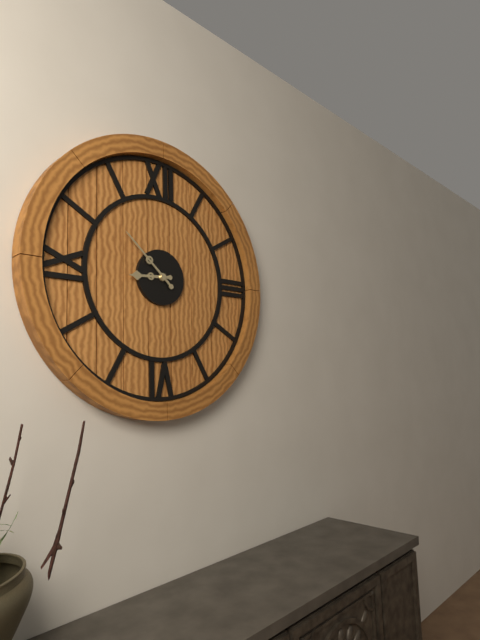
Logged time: 8 h 52 min
